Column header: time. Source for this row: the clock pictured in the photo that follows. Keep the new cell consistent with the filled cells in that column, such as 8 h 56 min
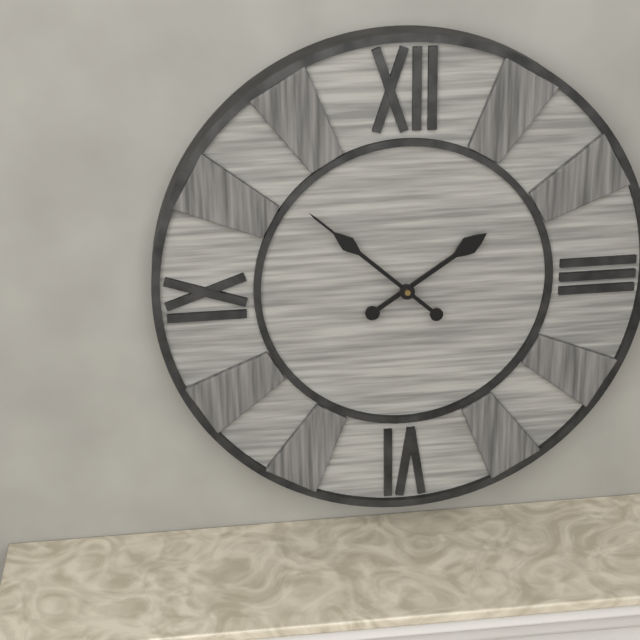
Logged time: 1 h 52 min
